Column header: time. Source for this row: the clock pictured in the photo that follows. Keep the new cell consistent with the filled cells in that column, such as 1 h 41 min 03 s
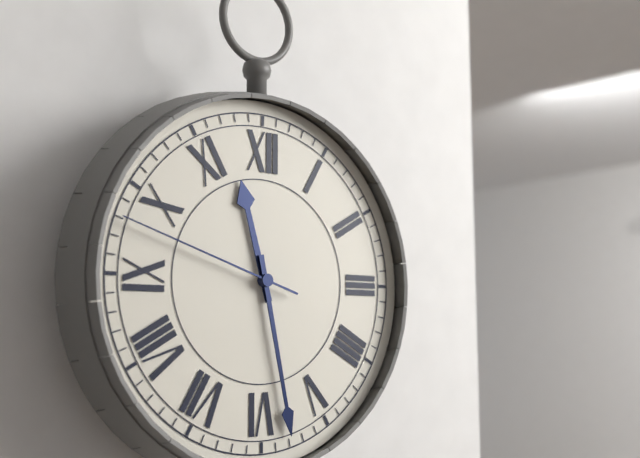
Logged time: 11 h 28 min 48 s
